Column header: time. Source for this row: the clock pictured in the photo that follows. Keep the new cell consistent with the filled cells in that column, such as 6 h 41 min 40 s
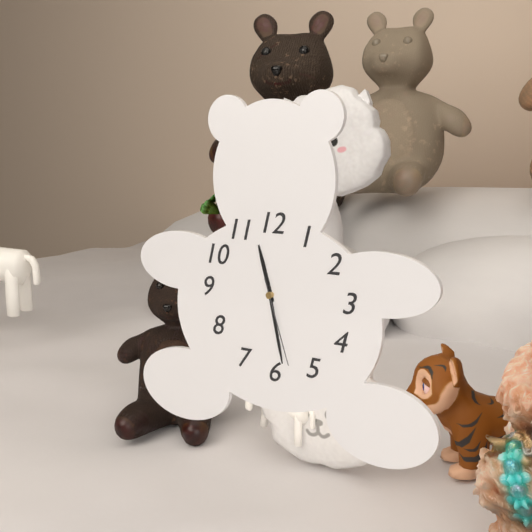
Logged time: 11 h 28 min 27 s
